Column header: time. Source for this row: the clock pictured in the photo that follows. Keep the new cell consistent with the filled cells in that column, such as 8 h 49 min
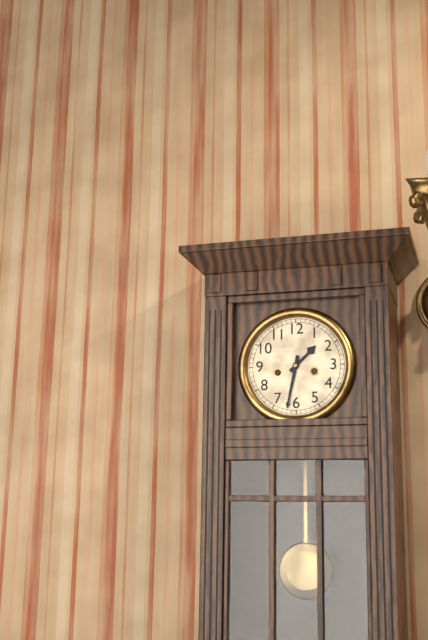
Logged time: 1 h 32 min
